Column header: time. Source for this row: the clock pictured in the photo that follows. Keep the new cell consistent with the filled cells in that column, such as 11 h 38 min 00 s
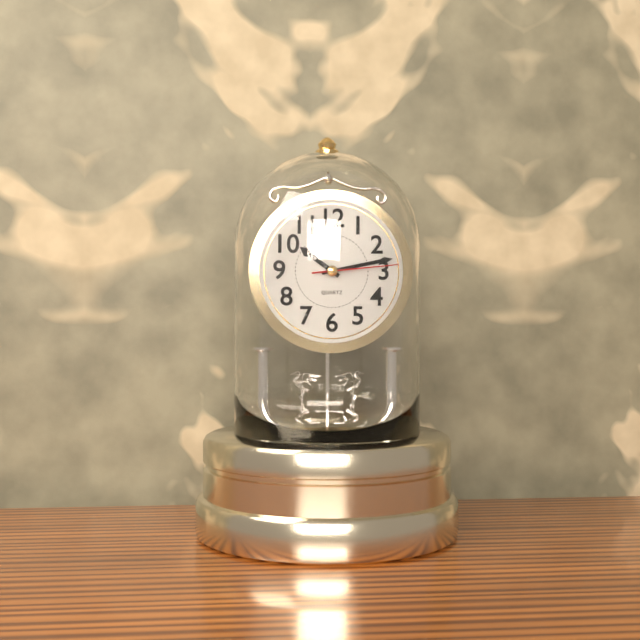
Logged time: 10 h 13 min 14 s
